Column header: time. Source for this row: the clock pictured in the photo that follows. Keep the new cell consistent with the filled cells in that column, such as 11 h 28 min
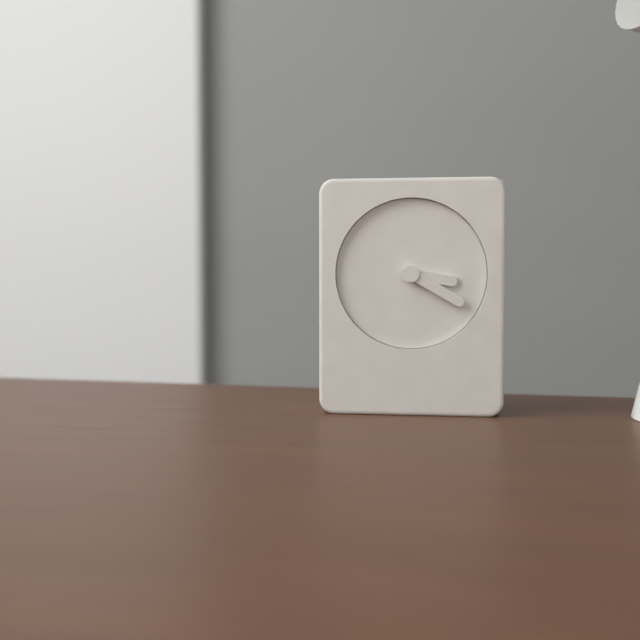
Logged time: 3 h 20 min
